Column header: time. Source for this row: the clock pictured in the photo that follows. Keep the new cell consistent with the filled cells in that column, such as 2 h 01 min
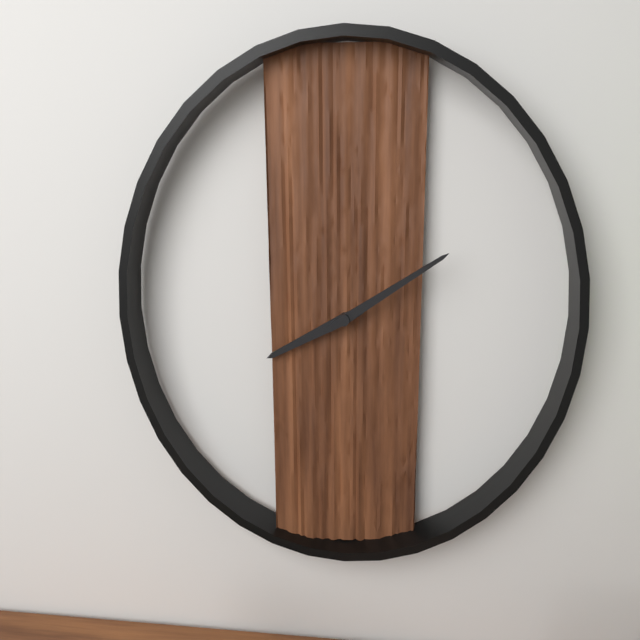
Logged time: 8 h 10 min
